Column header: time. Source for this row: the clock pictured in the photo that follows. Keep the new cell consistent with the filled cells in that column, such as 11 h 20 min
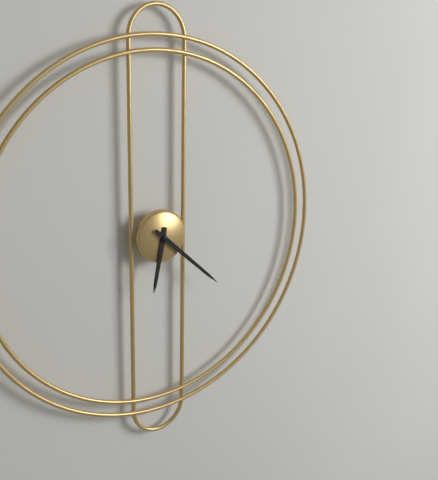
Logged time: 6 h 22 min
